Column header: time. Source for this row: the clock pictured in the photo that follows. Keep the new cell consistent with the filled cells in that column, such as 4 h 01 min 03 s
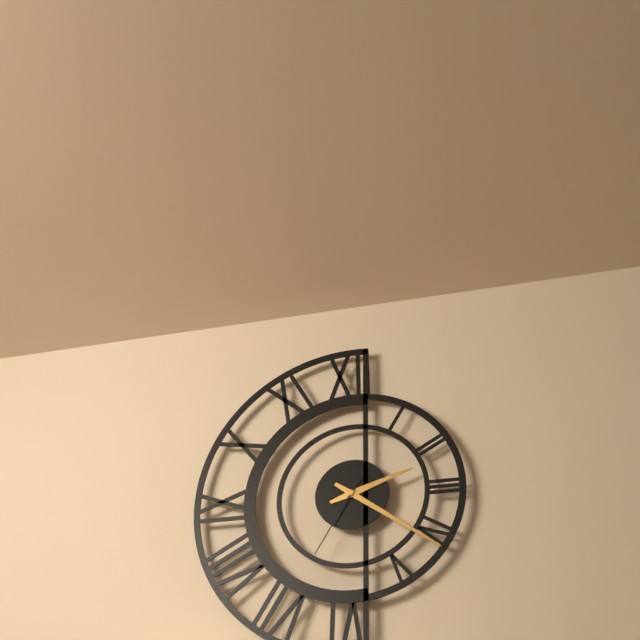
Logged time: 2 h 21 min 35 s
